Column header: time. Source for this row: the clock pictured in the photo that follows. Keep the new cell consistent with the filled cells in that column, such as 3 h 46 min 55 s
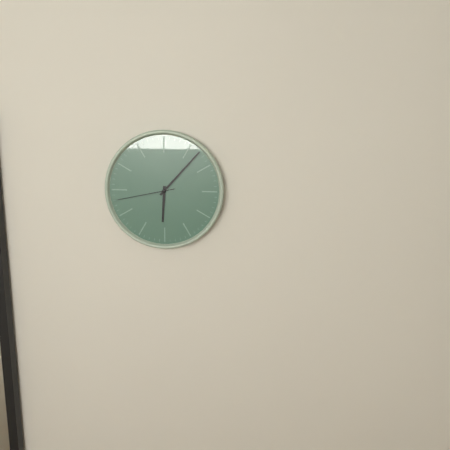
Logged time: 6 h 07 min 43 s
